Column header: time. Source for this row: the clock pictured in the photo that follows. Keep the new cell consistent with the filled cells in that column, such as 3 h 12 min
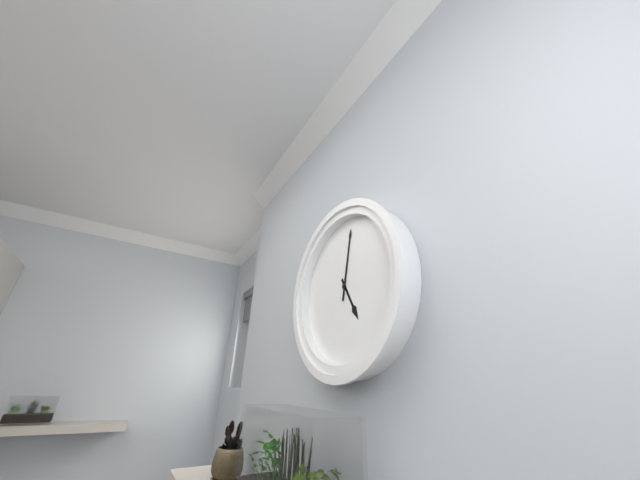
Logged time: 5 h 02 min
